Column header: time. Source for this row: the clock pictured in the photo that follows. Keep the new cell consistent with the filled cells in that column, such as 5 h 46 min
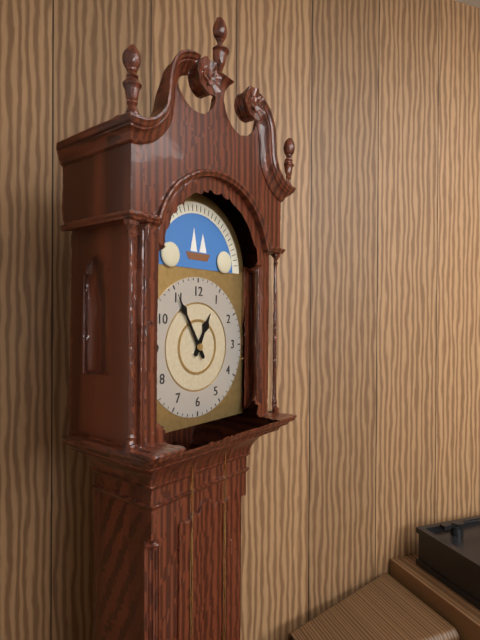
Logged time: 12 h 55 min
